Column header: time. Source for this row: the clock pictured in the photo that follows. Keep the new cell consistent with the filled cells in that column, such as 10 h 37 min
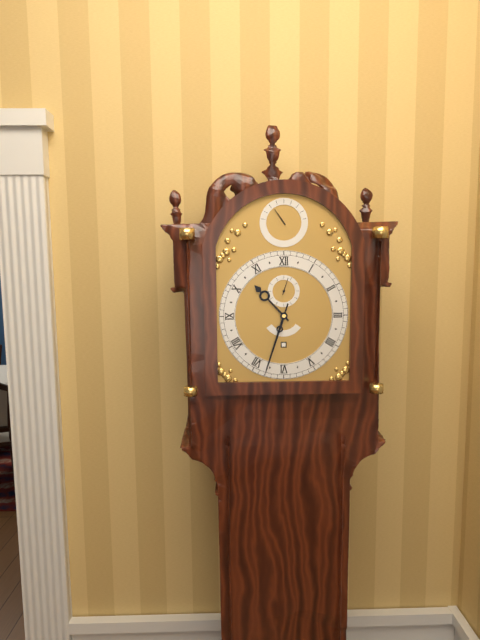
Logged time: 10 h 33 min
